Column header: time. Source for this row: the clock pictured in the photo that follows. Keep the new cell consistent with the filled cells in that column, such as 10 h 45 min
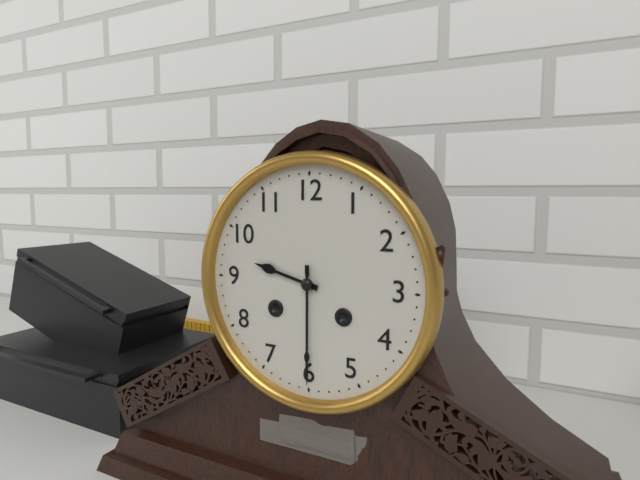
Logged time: 9 h 30 min
